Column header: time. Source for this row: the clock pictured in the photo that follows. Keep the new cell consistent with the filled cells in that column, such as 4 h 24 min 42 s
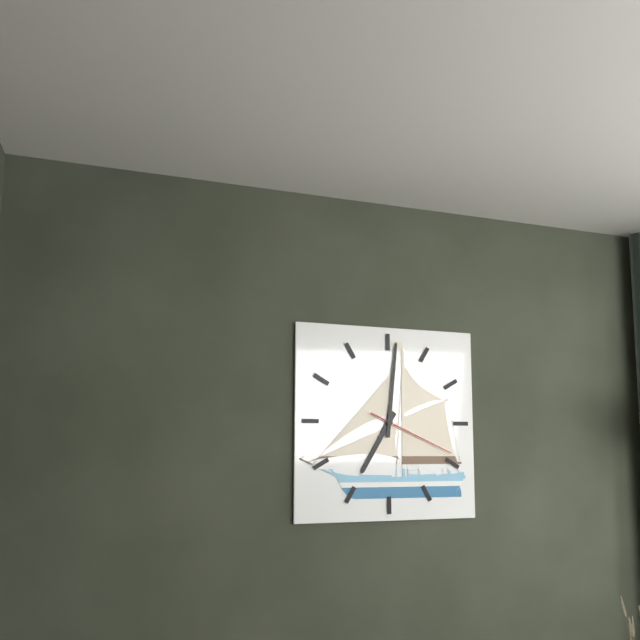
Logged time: 7 h 01 min 19 s
